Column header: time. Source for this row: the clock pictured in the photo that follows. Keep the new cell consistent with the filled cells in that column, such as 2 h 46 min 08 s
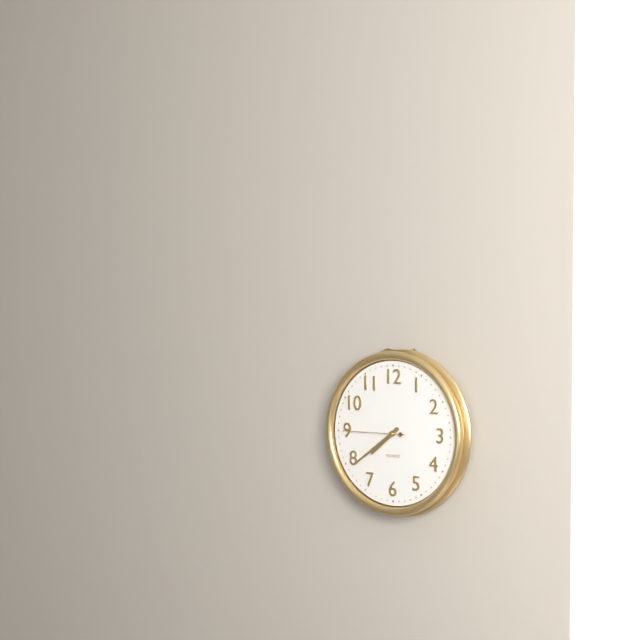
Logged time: 7 h 39 min 45 s
